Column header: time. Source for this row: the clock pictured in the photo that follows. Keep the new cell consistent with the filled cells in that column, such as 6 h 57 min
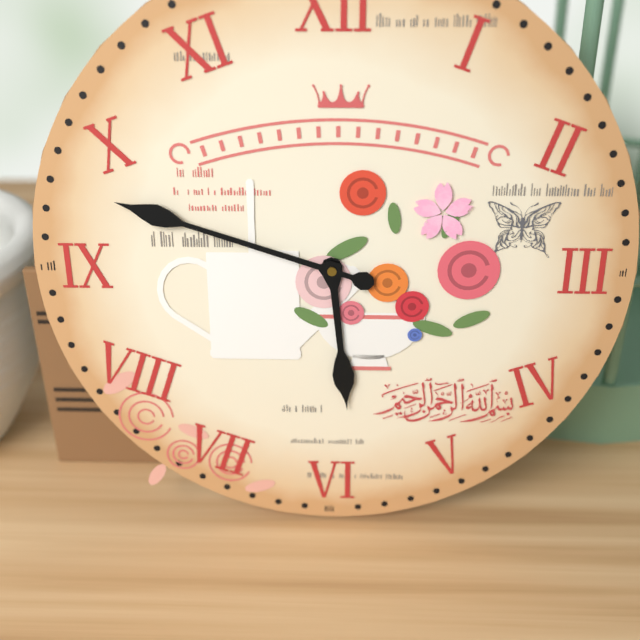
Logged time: 5 h 48 min
